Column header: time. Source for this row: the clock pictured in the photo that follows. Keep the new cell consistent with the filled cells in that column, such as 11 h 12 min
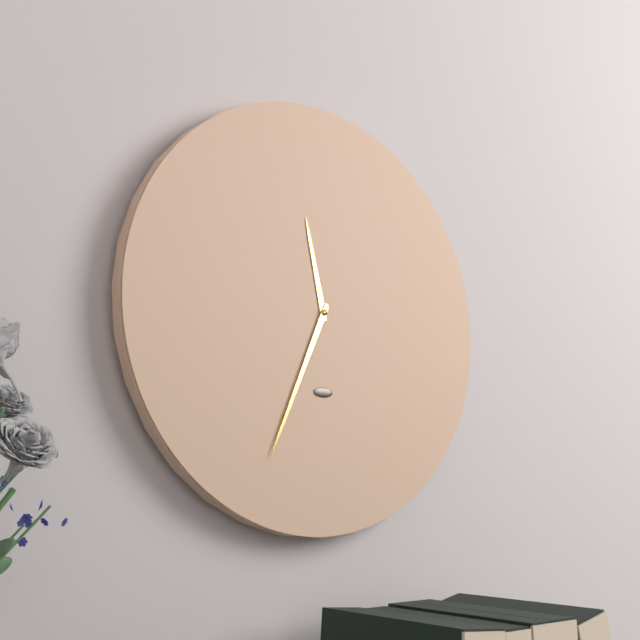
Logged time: 11 h 34 min
